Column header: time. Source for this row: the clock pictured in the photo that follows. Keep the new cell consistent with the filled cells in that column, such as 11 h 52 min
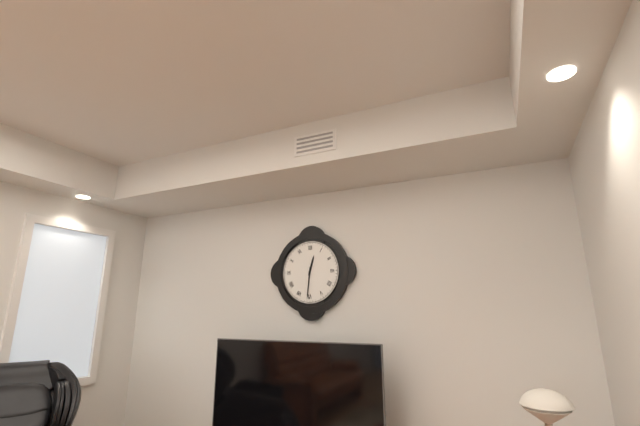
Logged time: 12 h 31 min
